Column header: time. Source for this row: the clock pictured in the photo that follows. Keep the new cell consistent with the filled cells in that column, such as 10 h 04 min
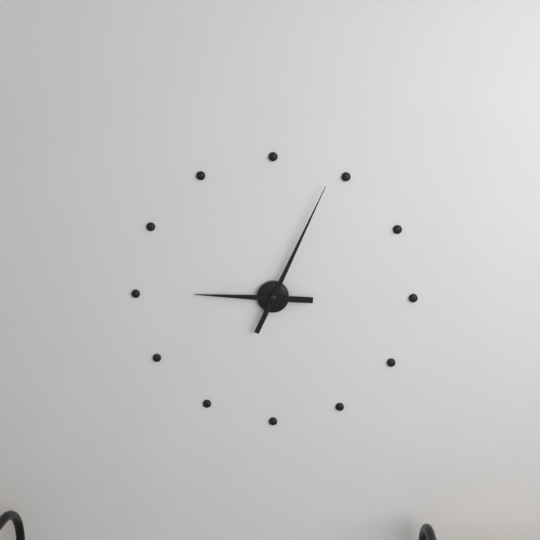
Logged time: 9 h 04 min
